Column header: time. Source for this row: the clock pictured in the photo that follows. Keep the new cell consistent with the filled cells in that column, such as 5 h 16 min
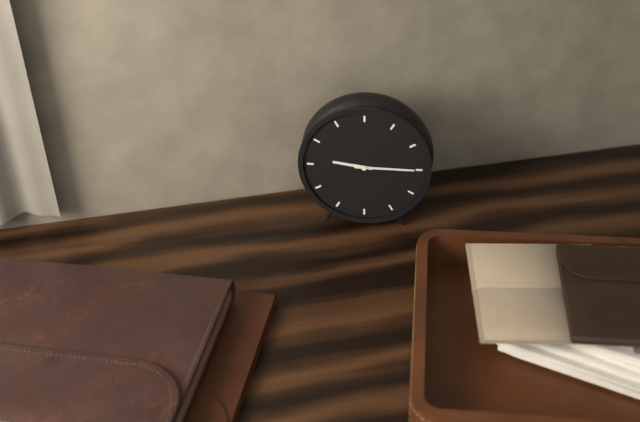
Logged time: 9 h 15 min
